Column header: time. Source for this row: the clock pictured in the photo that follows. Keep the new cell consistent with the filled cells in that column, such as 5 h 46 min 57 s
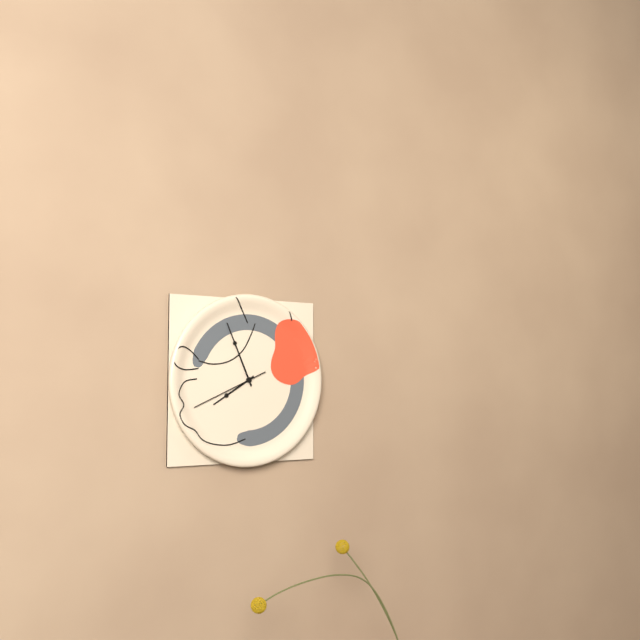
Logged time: 7 h 56 min 41 s
